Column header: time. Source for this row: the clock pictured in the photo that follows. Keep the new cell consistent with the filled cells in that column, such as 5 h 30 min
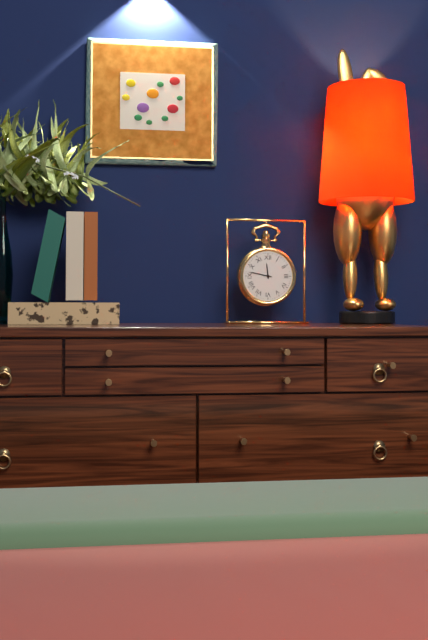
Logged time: 11 h 47 min
